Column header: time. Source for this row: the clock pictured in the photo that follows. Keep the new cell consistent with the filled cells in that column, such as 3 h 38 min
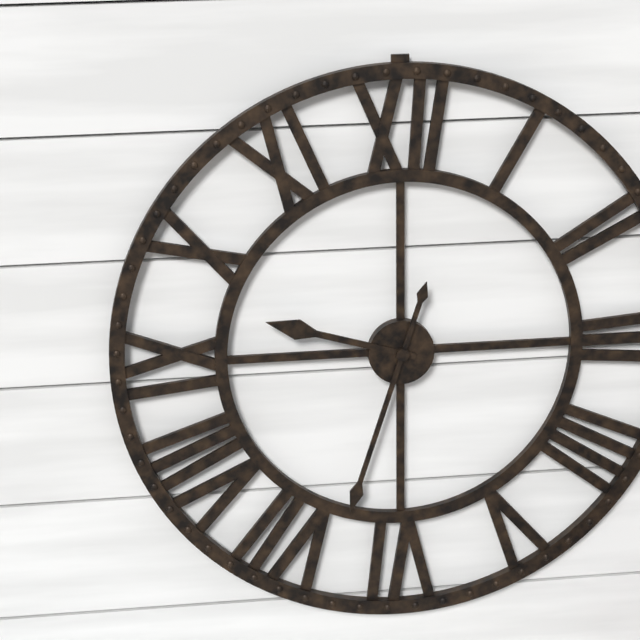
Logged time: 9 h 33 min
